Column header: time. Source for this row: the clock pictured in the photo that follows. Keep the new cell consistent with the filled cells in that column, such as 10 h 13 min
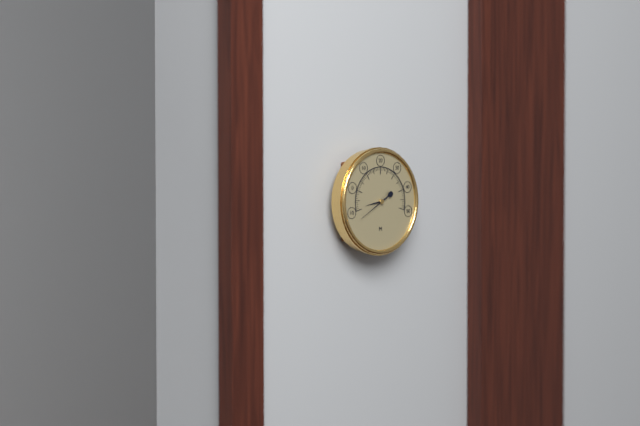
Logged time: 8 h 40 min
